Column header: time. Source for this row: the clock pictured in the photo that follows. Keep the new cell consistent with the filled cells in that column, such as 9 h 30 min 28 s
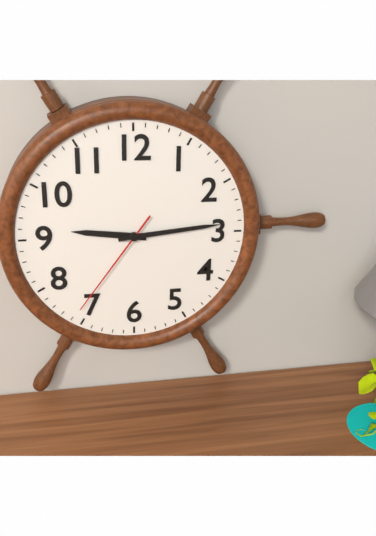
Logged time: 9 h 14 min 36 s
